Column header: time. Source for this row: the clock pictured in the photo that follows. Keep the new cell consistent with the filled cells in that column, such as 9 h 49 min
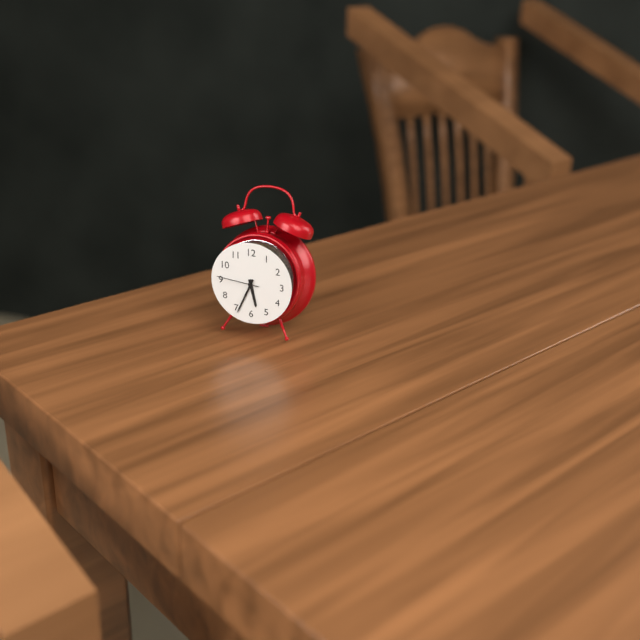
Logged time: 5 h 34 min
